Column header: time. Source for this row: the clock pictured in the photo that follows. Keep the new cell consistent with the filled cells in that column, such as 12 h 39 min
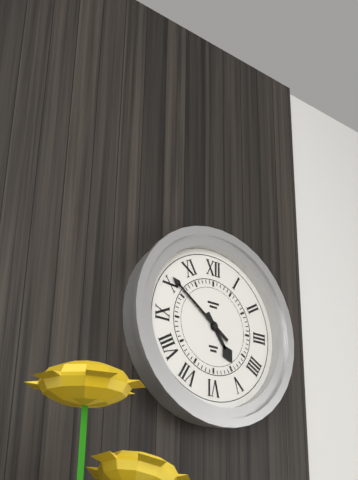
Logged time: 4 h 51 min
